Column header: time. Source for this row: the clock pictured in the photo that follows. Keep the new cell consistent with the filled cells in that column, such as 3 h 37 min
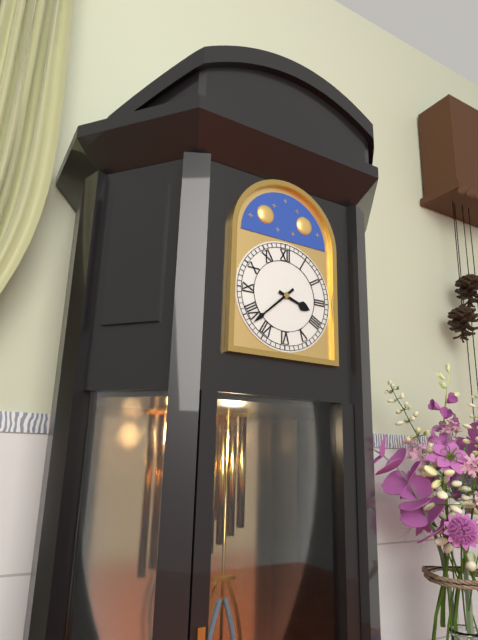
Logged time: 3 h 38 min
